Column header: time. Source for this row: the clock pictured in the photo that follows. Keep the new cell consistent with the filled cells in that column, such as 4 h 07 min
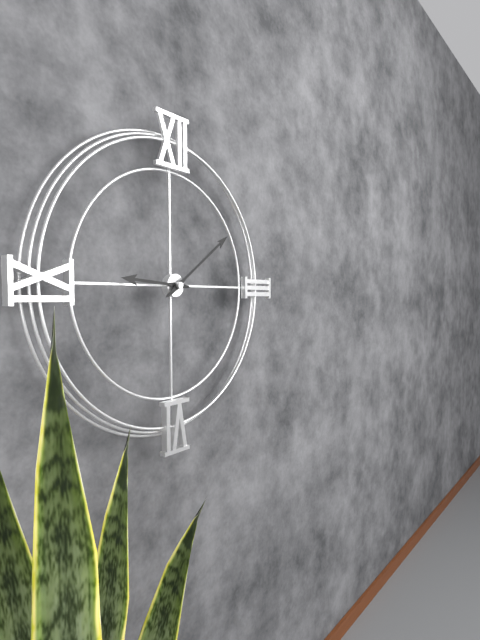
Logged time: 9 h 09 min
